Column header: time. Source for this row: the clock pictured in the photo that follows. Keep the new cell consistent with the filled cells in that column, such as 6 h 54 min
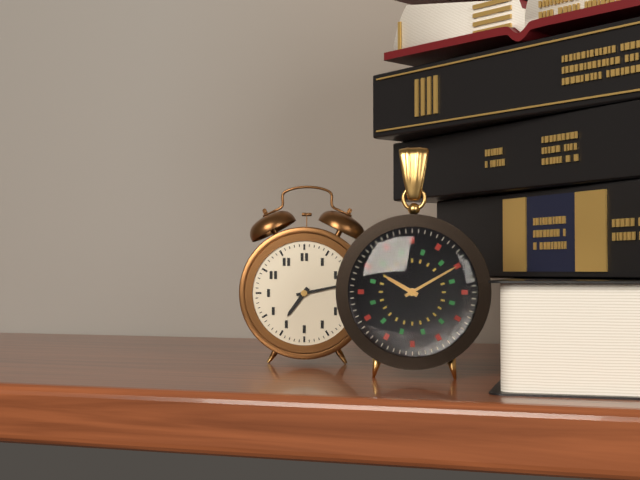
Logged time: 7 h 13 min
